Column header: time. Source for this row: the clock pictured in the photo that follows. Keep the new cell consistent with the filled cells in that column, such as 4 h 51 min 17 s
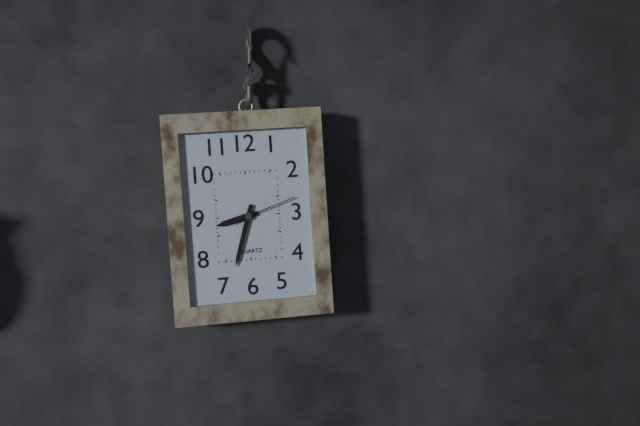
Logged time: 8 h 33 min 12 s
